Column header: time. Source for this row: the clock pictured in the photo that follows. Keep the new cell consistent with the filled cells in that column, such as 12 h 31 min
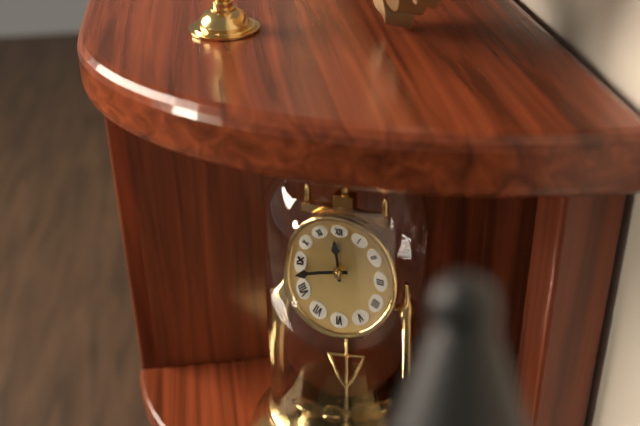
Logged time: 11 h 43 min
